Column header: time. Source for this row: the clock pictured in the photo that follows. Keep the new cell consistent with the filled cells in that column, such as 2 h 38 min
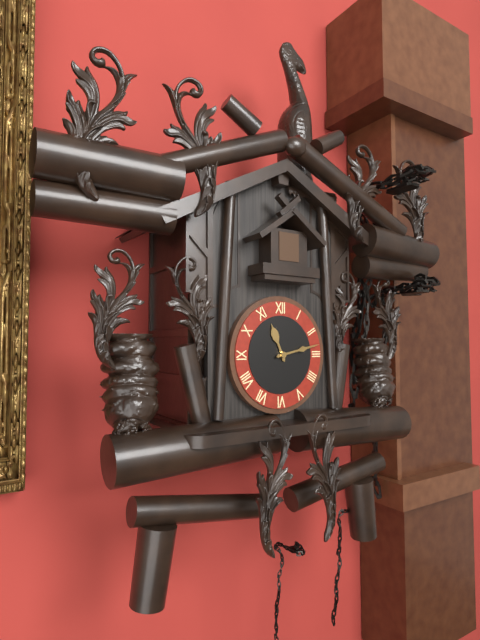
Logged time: 11 h 13 min
